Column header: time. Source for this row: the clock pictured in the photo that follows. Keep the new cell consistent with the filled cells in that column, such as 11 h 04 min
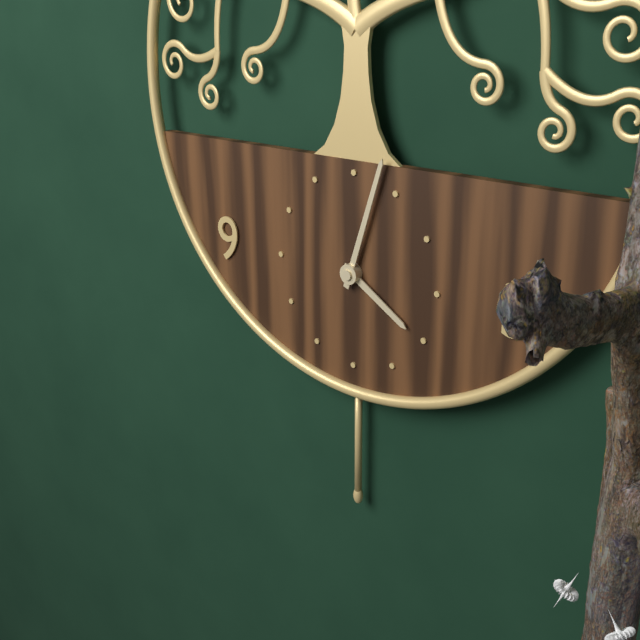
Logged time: 4 h 03 min
